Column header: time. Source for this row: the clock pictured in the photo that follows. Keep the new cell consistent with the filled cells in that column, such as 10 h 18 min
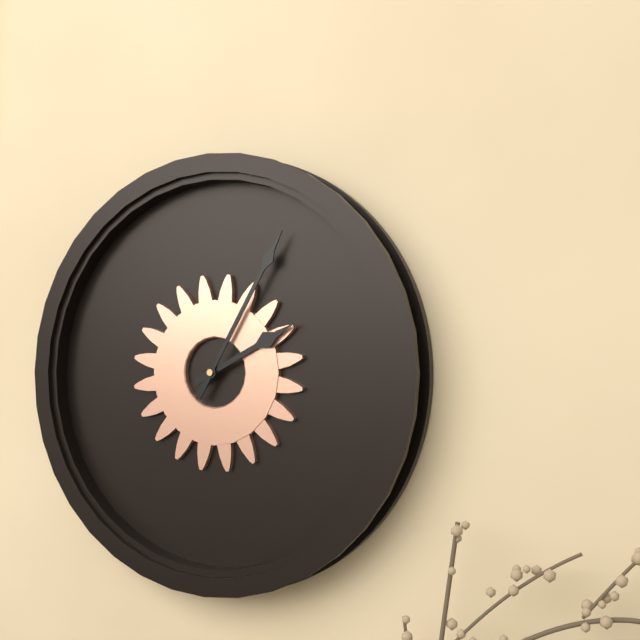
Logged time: 2 h 05 min
